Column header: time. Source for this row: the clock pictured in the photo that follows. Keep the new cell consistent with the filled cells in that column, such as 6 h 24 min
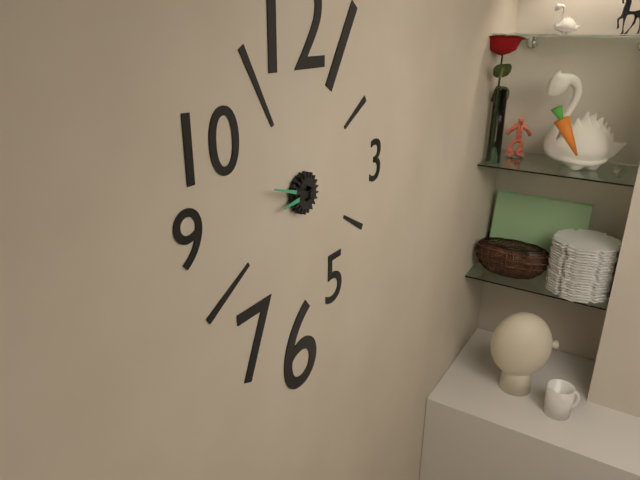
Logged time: 8 h 48 min
